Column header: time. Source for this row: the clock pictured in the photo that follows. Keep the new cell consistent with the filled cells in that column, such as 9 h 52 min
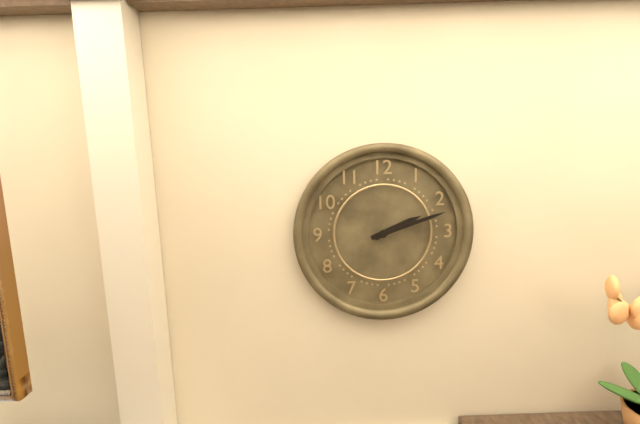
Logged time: 2 h 12 min
